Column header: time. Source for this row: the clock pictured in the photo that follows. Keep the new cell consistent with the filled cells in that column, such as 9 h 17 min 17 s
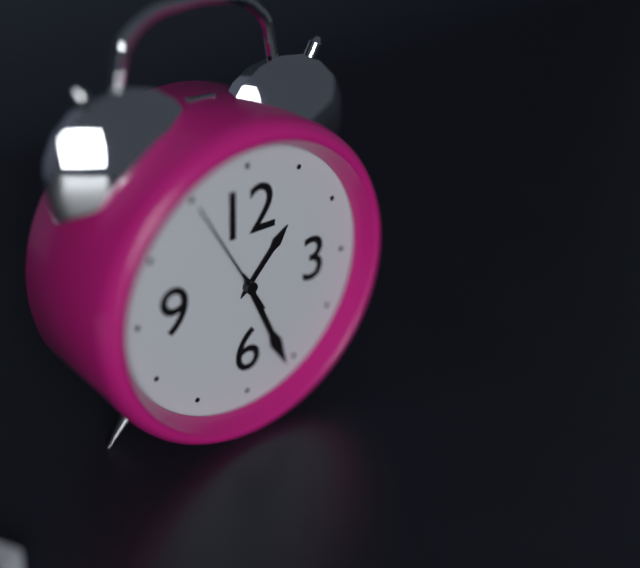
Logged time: 1 h 26 min 55 s
